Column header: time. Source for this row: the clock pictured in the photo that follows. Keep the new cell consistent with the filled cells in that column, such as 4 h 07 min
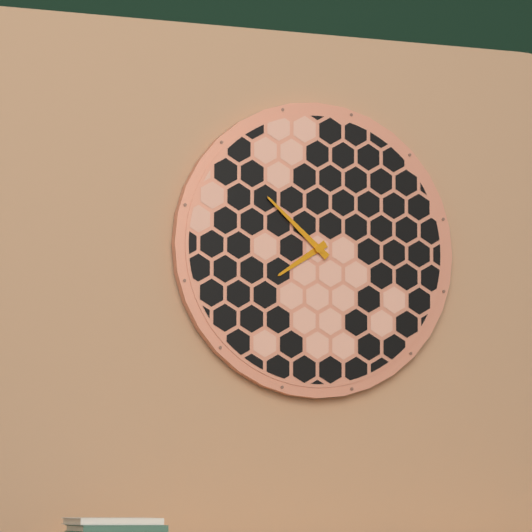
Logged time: 7 h 52 min
